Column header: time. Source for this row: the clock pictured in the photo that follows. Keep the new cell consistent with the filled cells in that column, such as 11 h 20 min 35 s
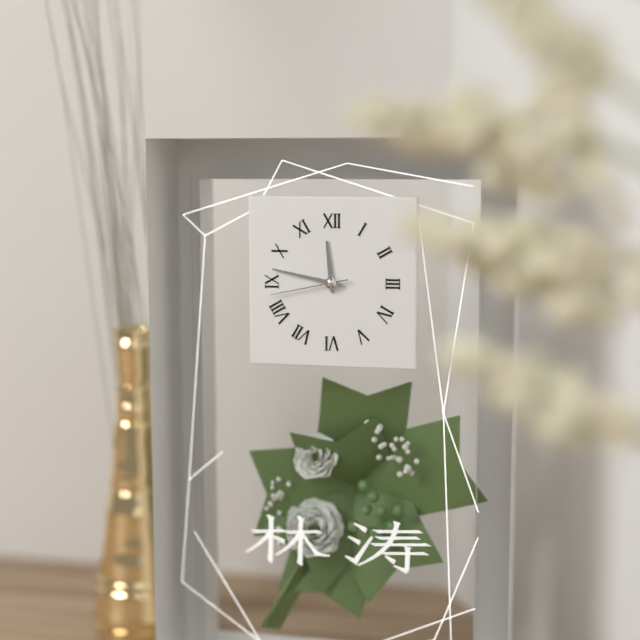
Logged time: 11 h 47 min 43 s
